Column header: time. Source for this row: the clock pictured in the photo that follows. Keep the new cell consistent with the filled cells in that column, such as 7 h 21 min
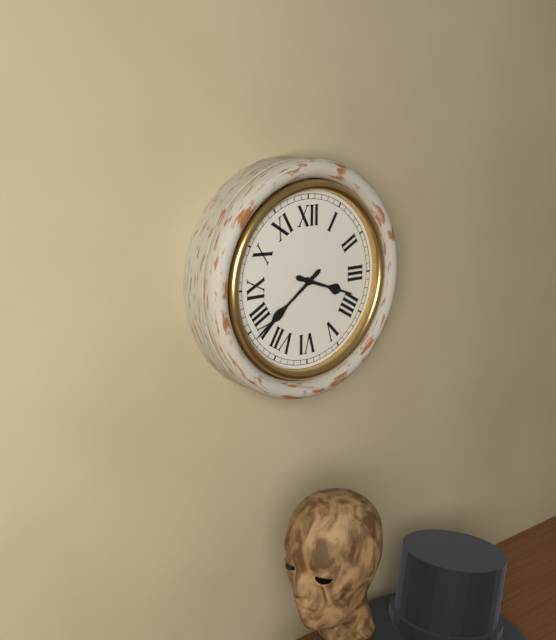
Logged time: 3 h 39 min
